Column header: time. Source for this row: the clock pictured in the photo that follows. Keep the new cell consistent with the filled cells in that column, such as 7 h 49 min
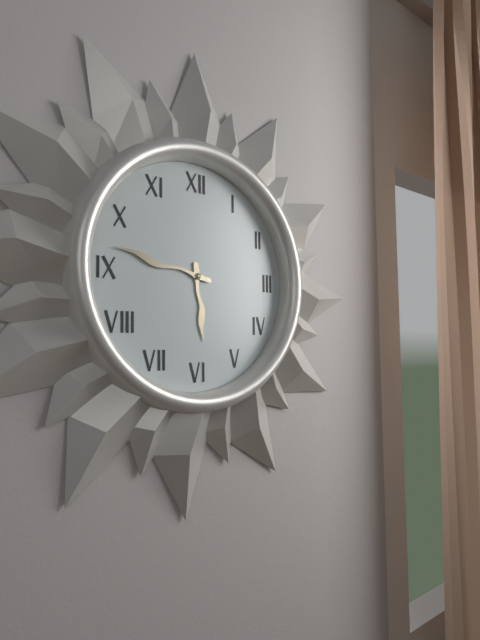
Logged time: 5 h 47 min
